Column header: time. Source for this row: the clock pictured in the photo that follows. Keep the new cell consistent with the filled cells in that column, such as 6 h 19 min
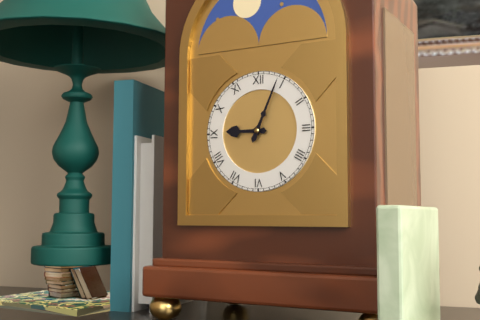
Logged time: 9 h 04 min
